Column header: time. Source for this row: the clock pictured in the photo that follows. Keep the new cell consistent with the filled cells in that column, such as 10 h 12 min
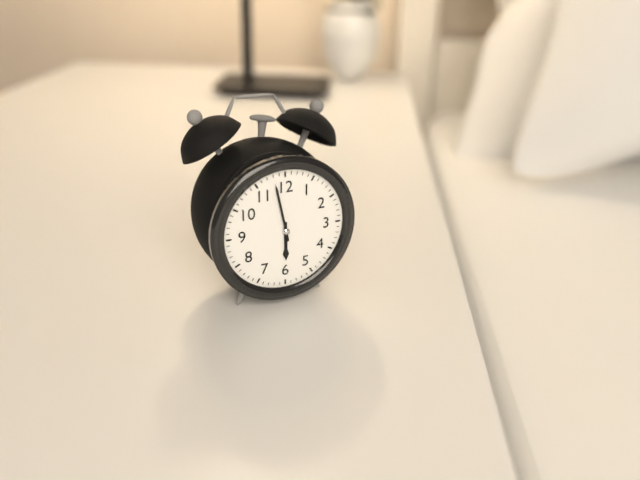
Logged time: 5 h 58 min
